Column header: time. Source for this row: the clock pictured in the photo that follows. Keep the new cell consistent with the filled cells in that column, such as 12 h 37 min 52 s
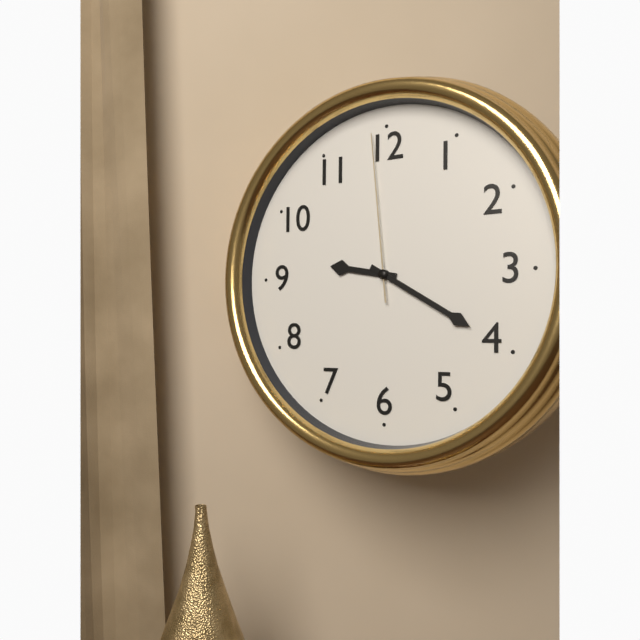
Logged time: 9 h 20 min 59 s
